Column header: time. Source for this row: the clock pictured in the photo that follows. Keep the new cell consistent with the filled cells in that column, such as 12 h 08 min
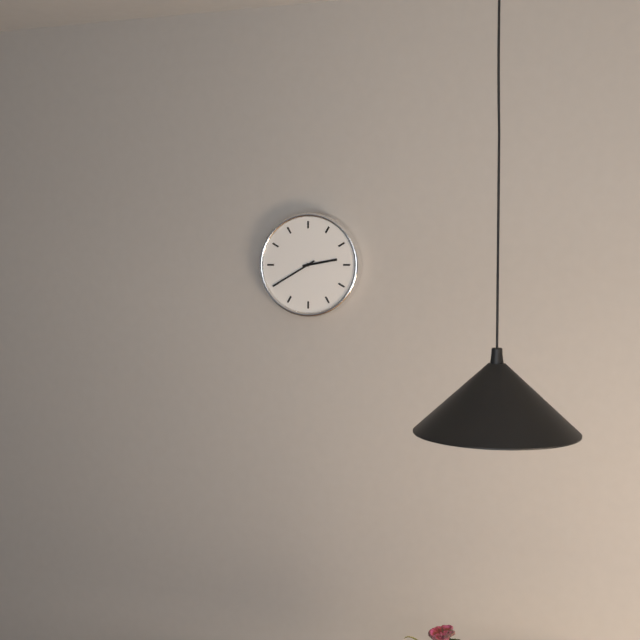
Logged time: 2 h 40 min
